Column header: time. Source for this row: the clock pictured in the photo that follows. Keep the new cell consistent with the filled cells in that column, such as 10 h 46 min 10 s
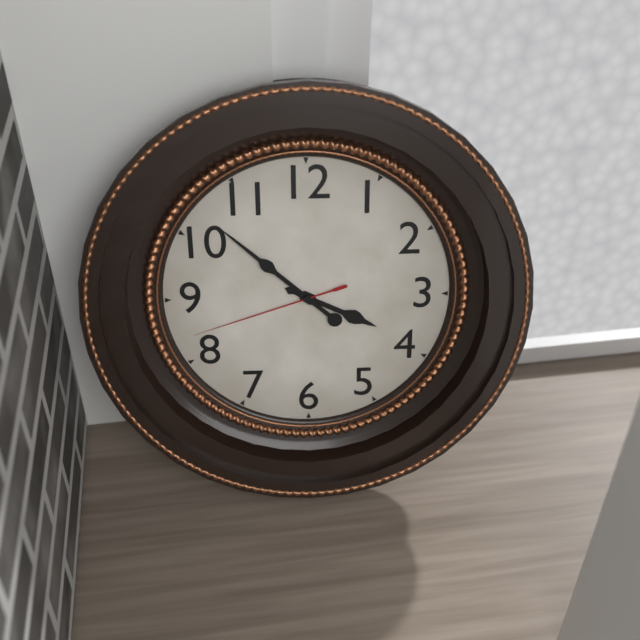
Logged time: 3 h 52 min 42 s
